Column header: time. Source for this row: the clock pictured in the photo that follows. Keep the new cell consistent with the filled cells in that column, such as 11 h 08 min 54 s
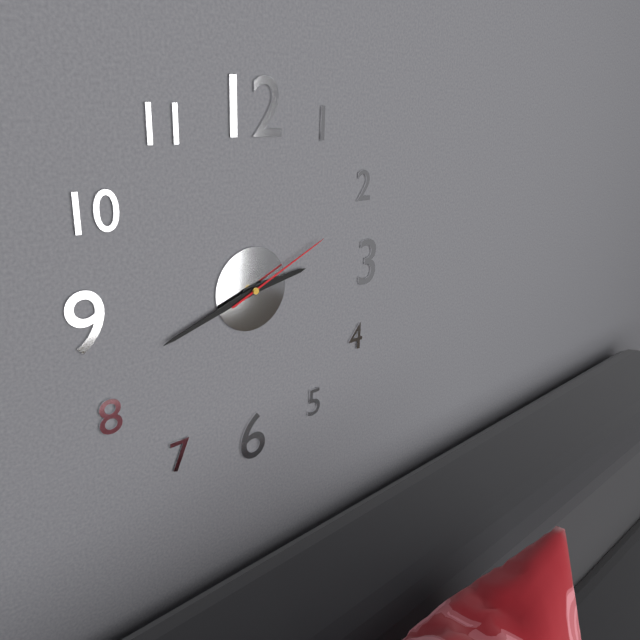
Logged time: 2 h 42 min 11 s
